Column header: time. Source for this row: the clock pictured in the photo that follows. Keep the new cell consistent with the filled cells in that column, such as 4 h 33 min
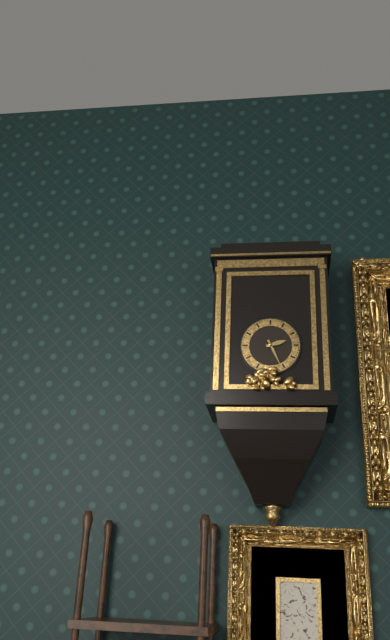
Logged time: 2 h 26 min
